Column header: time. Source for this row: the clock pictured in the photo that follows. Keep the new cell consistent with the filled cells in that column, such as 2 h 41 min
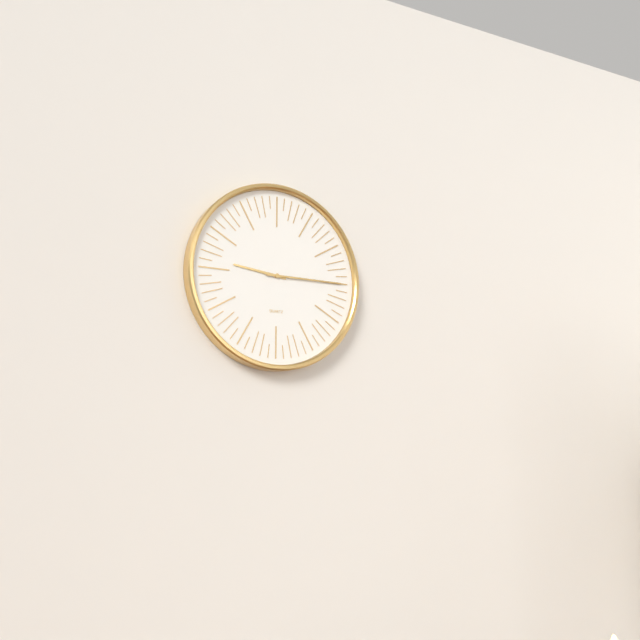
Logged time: 9 h 15 min
